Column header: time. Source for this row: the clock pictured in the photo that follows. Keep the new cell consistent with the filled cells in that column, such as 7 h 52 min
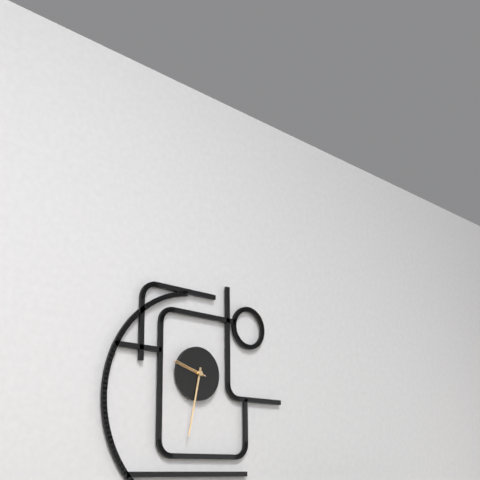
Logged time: 9 h 32 min
